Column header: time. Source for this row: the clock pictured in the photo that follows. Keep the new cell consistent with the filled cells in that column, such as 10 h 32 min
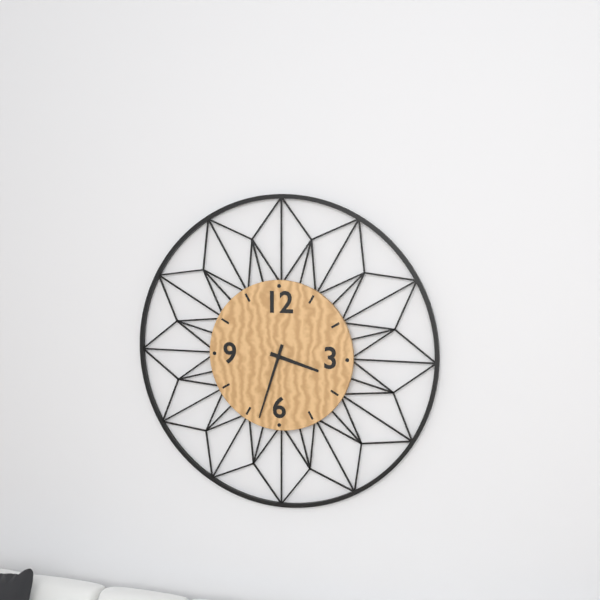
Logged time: 3 h 33 min
